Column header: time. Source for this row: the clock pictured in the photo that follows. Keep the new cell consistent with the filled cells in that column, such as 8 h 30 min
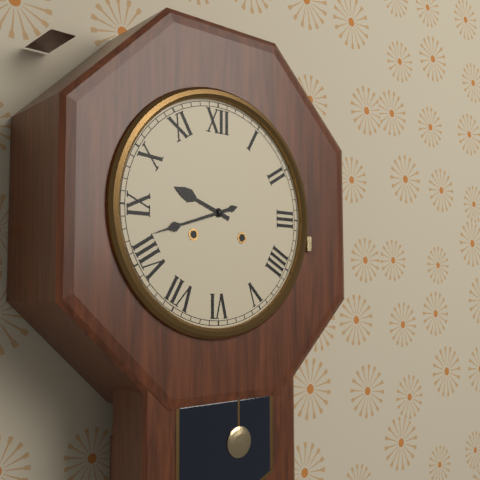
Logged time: 9 h 42 min
